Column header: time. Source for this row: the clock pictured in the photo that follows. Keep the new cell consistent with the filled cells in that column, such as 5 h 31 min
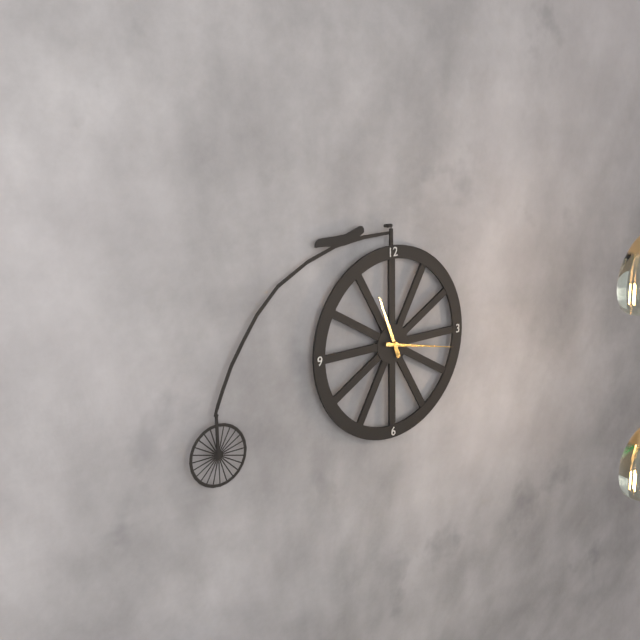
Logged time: 11 h 17 min
